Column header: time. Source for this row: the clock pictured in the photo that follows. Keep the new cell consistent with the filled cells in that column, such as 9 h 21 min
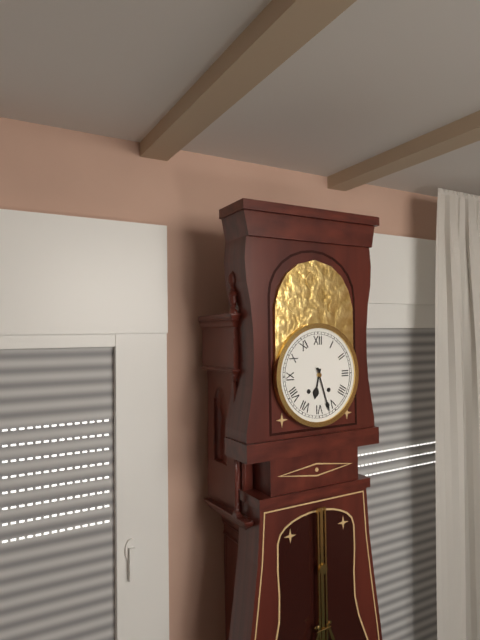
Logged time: 6 h 27 min
